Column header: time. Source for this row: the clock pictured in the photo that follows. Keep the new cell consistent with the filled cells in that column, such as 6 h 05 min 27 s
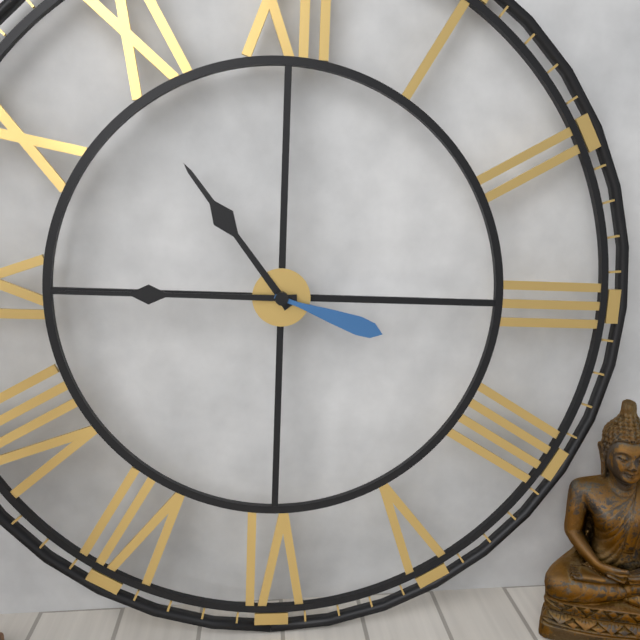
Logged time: 10 h 45 min 18 s
